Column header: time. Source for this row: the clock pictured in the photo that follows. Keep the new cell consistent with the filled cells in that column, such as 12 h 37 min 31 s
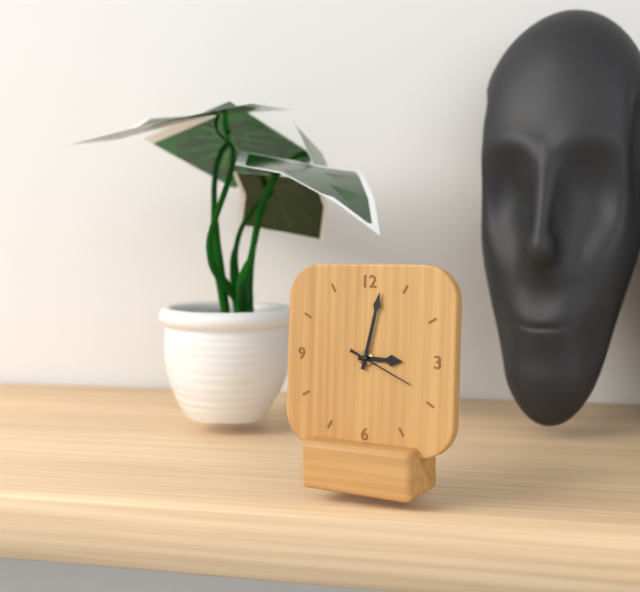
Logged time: 3 h 02 min 19 s
